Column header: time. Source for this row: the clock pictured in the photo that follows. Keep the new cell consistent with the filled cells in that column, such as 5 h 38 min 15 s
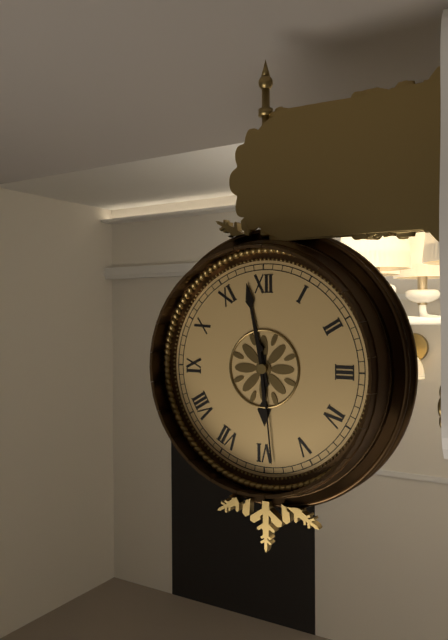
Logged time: 5 h 58 min 29 s
